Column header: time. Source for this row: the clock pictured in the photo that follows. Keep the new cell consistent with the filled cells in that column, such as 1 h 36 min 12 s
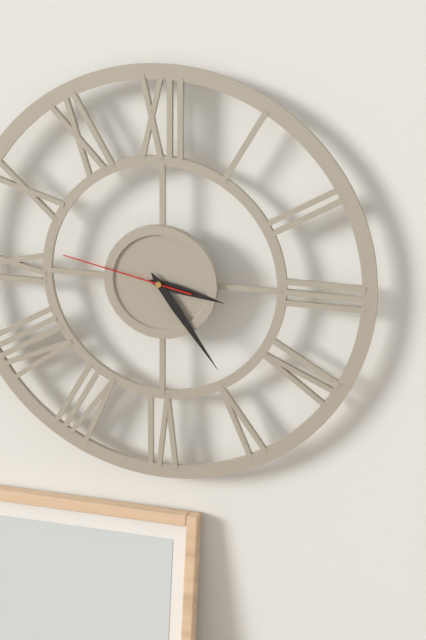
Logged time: 3 h 24 min 47 s
